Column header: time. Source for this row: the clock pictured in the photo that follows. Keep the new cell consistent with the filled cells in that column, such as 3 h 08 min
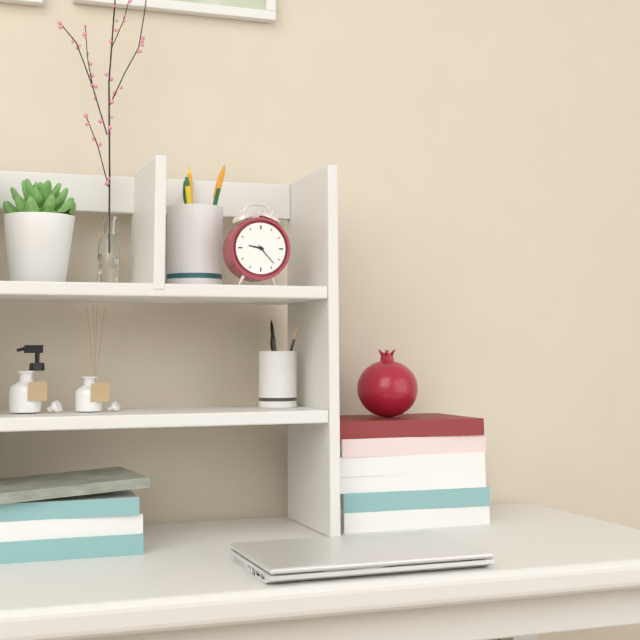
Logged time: 9 h 23 min
